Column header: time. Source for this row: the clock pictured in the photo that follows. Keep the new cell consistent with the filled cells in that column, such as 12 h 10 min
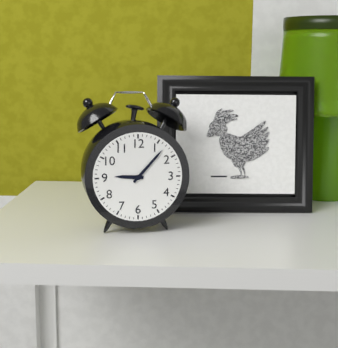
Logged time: 9 h 07 min
